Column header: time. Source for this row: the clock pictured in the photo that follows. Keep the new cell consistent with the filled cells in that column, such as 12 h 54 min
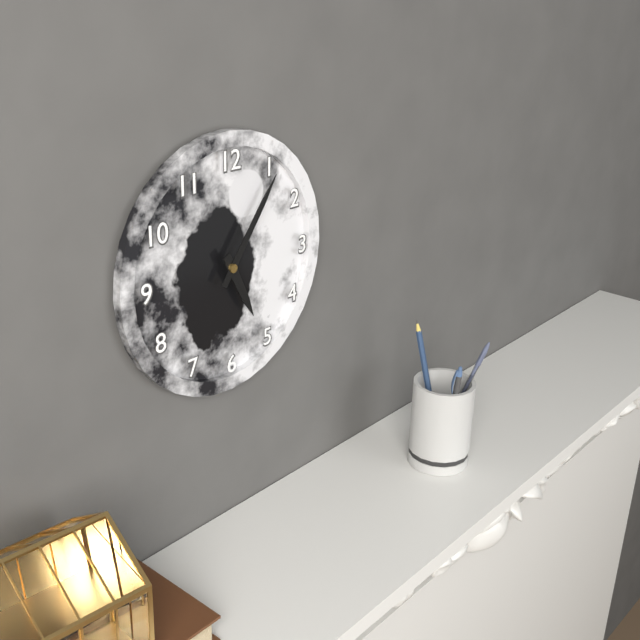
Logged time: 5 h 06 min
